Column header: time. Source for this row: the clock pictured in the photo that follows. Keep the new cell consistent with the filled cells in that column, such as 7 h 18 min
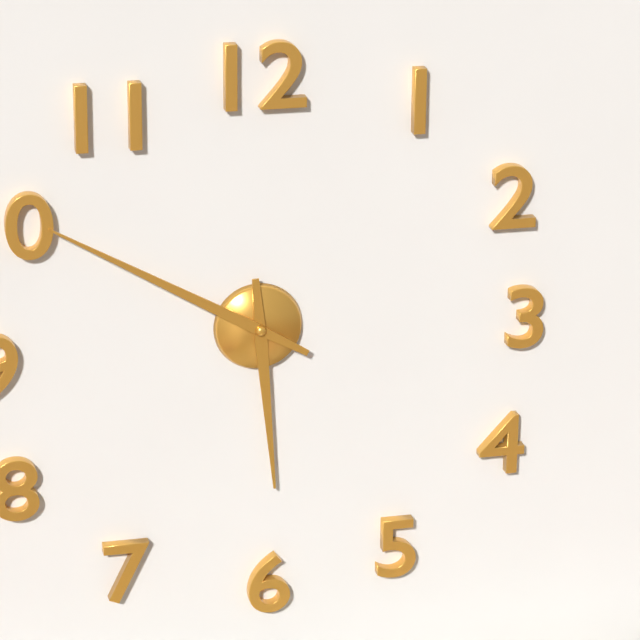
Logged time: 5 h 50 min
